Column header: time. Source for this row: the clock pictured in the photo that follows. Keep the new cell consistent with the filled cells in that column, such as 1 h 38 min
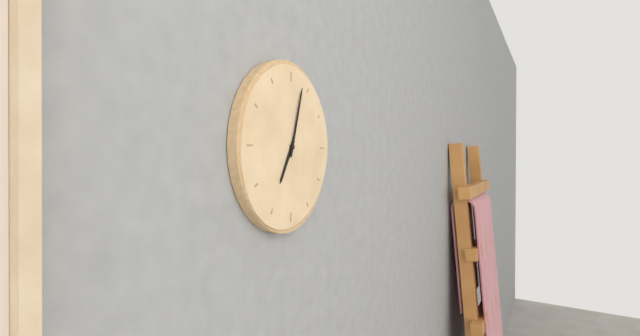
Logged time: 7 h 03 min
